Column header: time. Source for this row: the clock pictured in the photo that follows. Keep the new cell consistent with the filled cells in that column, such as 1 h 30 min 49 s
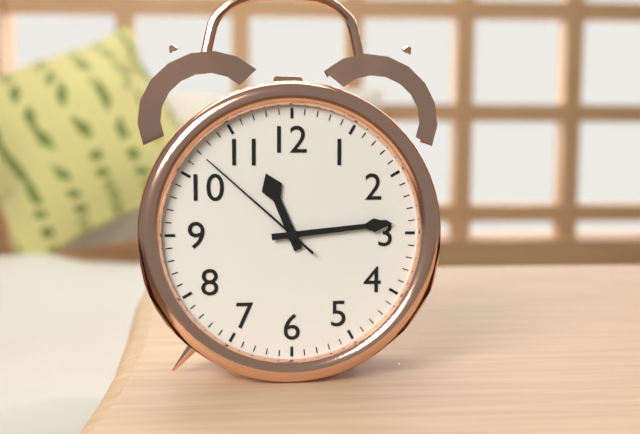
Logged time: 11 h 14 min 52 s
